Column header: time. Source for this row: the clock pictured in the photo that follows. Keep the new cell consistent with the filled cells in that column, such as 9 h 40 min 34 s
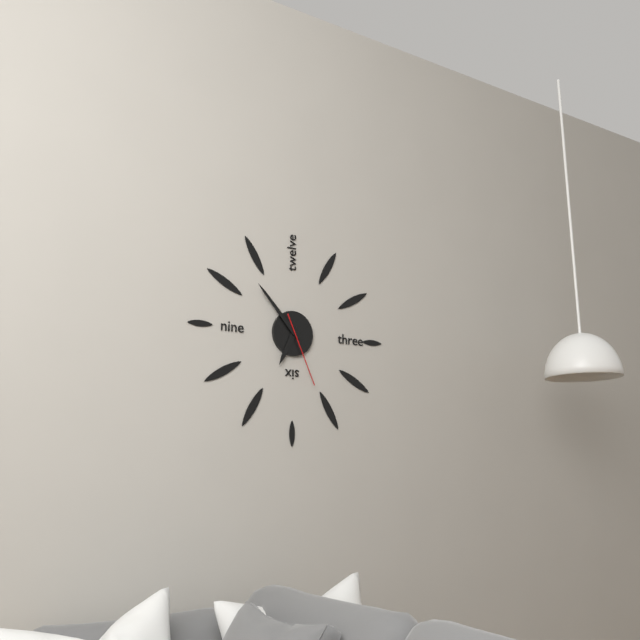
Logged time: 6 h 53 min 26 s
